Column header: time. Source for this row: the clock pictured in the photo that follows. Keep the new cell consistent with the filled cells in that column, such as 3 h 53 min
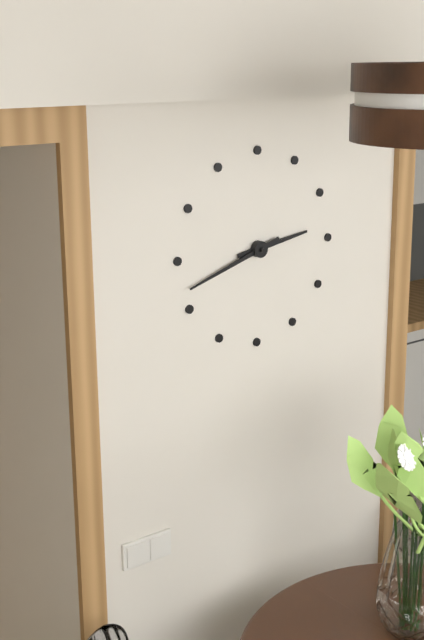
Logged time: 2 h 42 min
